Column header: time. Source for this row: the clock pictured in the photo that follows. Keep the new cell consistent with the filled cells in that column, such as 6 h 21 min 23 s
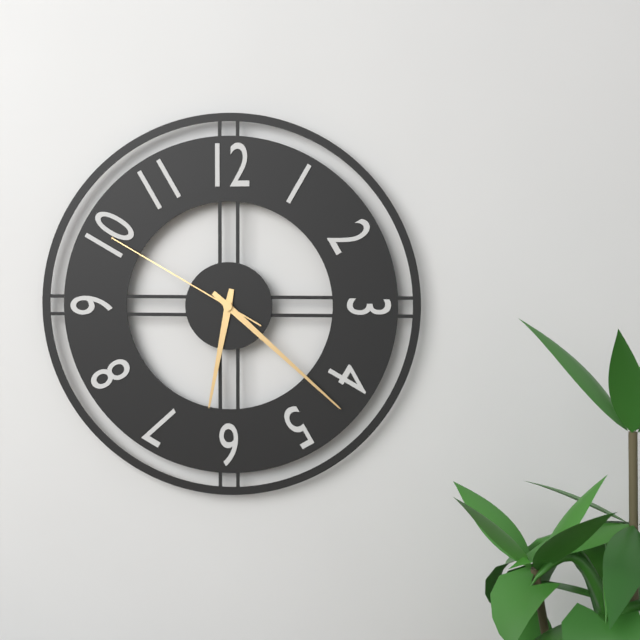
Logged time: 6 h 22 min 50 s
